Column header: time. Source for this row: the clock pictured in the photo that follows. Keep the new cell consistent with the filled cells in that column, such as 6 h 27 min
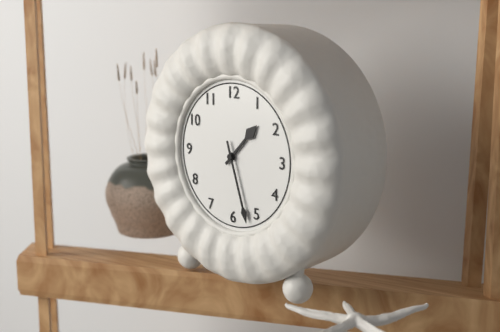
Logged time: 1 h 27 min
